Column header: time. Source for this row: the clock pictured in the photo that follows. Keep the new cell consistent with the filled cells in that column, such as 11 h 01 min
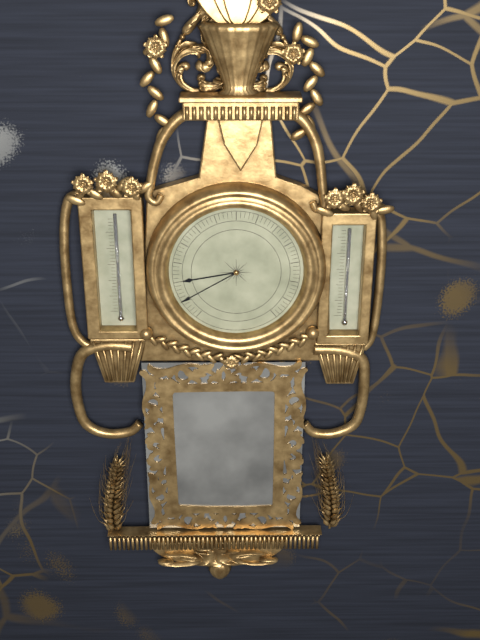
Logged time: 8 h 40 min
